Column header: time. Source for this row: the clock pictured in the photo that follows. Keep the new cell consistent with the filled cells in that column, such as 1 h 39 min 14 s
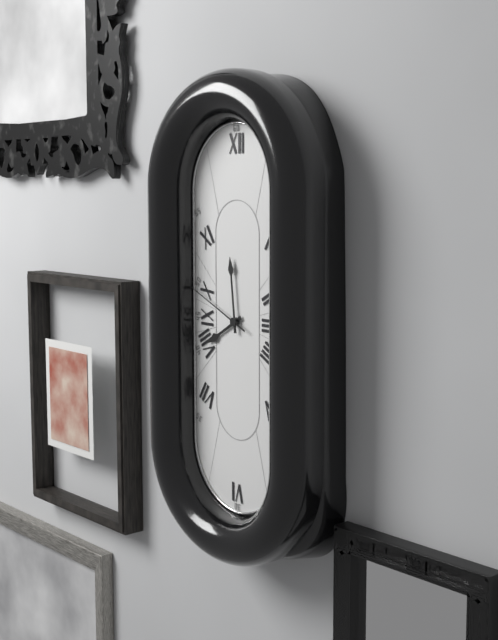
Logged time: 7 h 59 min 49 s
